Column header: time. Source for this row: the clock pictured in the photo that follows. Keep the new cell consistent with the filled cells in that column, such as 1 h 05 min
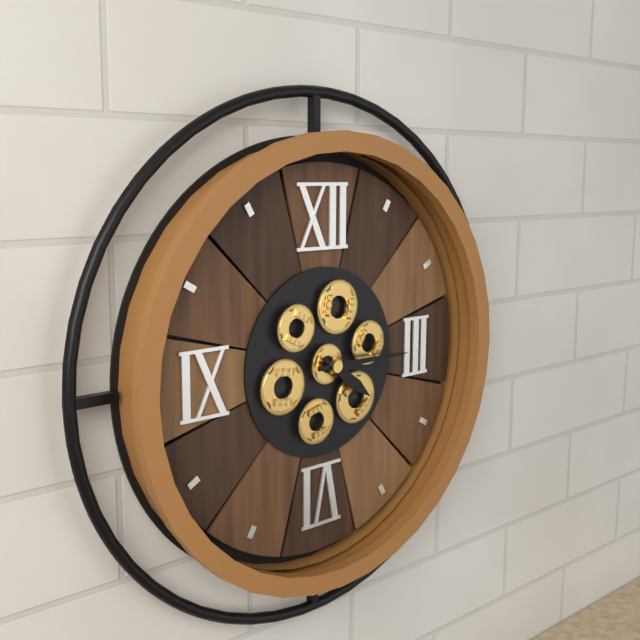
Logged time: 4 h 15 min
